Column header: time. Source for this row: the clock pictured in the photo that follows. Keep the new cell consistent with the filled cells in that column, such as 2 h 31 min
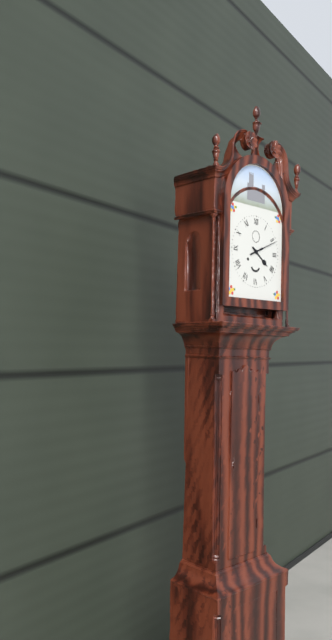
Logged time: 4 h 11 min
